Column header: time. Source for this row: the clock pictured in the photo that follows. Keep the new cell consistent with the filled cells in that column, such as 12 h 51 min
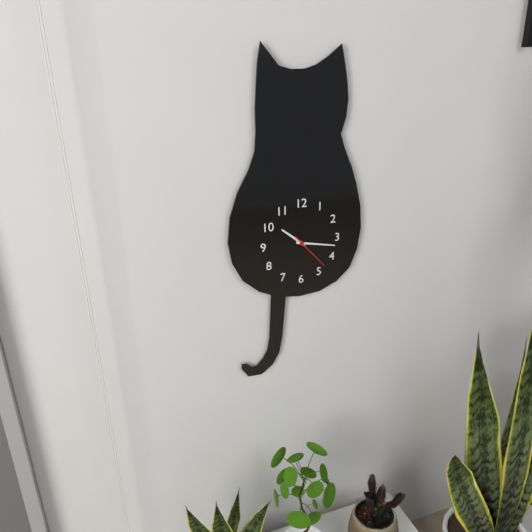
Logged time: 10 h 17 min
